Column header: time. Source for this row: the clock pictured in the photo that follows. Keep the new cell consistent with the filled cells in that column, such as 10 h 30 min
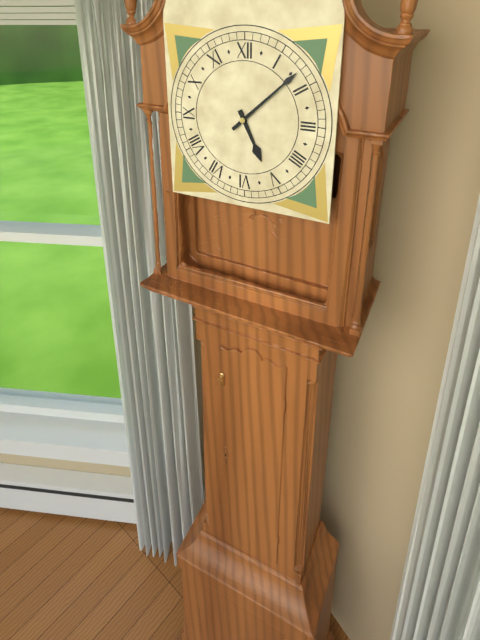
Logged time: 5 h 08 min
